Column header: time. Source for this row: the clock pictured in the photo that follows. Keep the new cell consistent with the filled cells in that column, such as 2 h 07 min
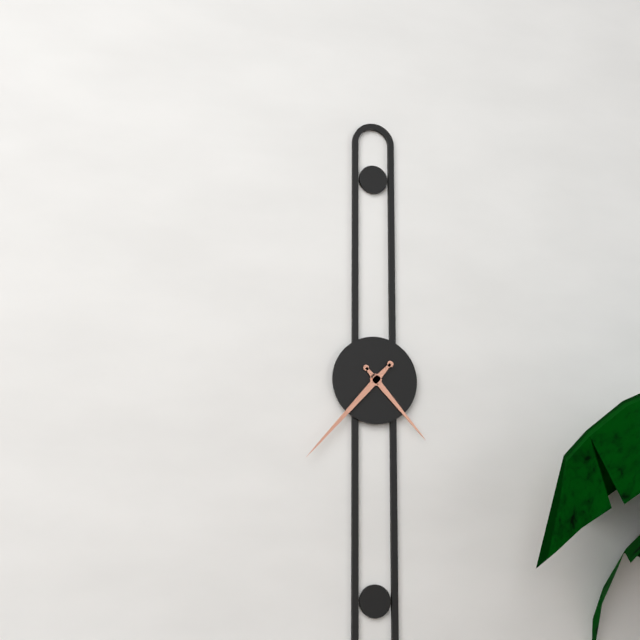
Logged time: 4 h 37 min
